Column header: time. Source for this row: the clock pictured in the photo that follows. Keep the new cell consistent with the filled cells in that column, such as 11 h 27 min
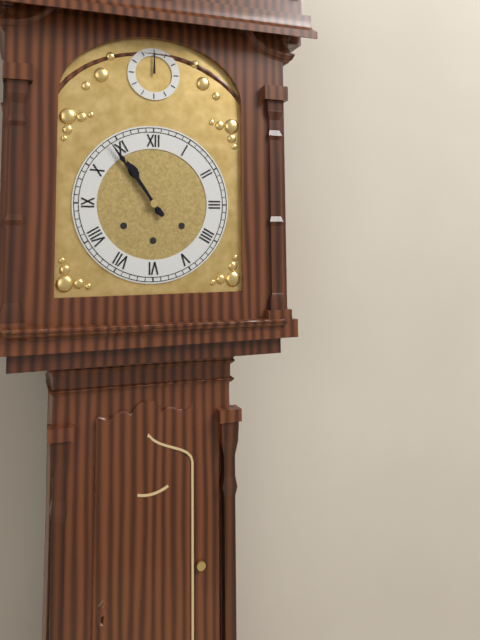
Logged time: 10 h 54 min
